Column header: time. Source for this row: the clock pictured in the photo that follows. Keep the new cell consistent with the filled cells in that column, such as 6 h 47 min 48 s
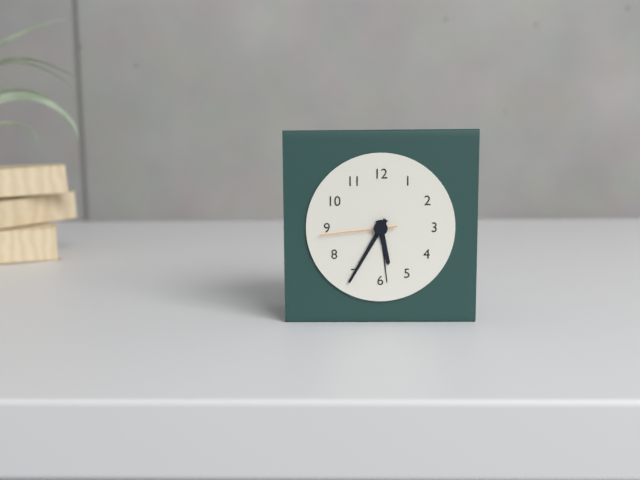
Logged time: 5 h 35 min 44 s
